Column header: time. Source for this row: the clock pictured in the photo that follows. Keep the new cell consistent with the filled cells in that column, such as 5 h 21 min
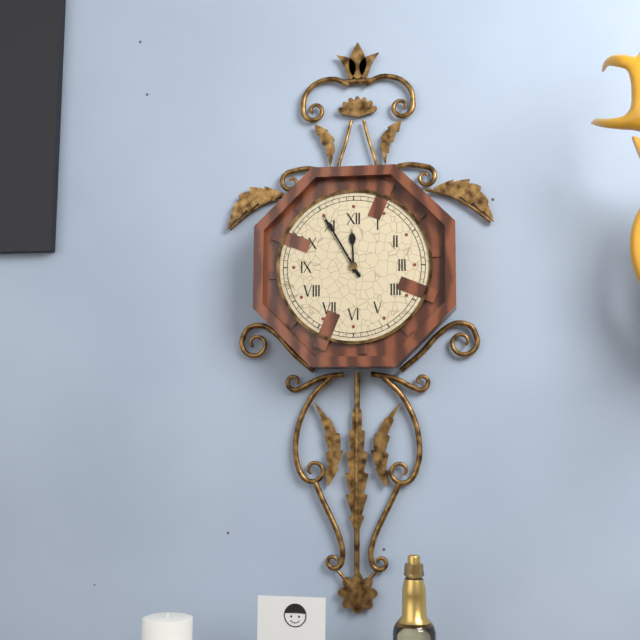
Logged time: 11 h 55 min
